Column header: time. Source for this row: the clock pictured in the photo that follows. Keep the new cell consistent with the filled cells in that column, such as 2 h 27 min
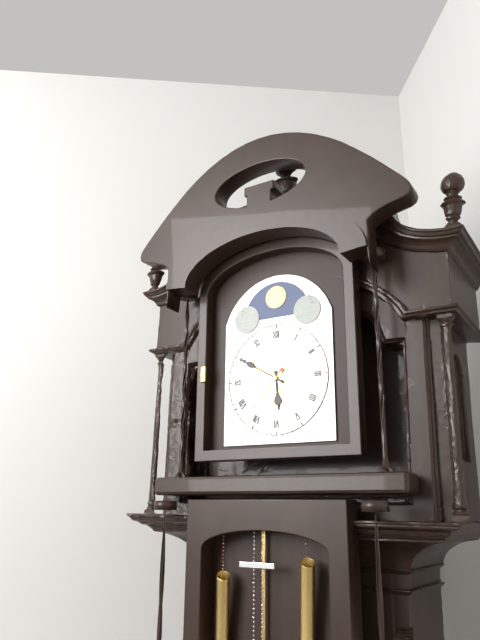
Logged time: 5 h 50 min
